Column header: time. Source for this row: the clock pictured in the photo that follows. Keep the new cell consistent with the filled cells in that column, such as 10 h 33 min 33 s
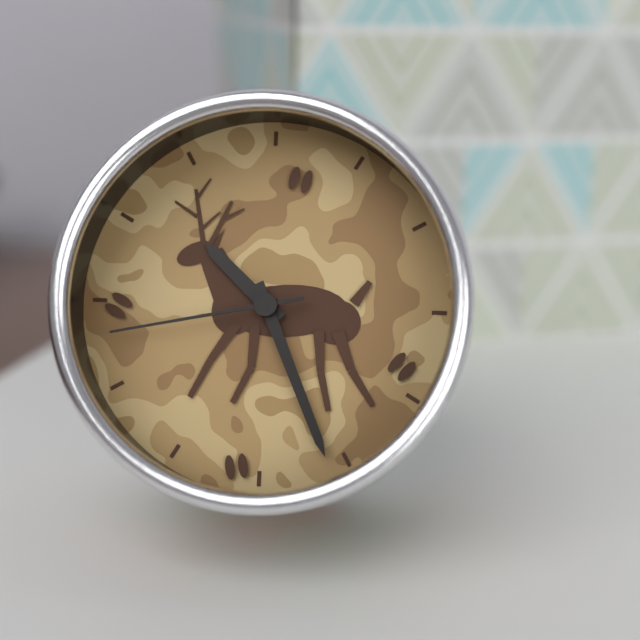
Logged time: 10 h 26 min 43 s
